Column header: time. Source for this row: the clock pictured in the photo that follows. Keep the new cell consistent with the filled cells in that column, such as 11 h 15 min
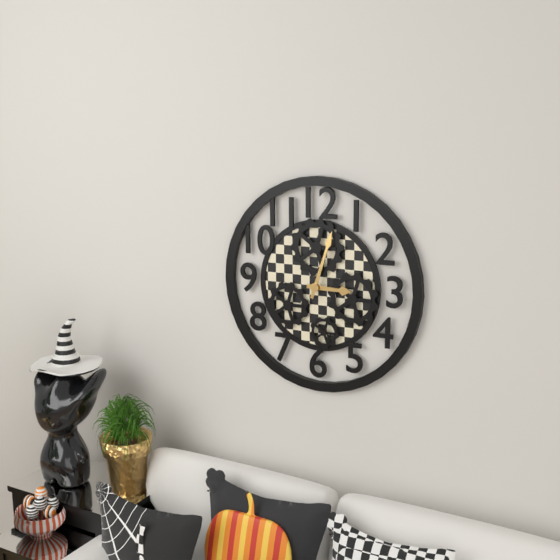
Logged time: 3 h 03 min
